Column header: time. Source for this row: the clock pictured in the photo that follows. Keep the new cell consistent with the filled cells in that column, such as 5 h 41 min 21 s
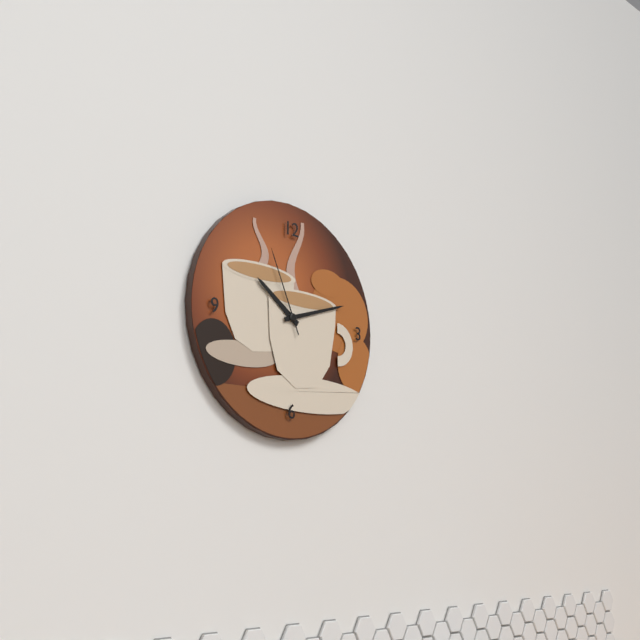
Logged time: 10 h 12 min 56 s
